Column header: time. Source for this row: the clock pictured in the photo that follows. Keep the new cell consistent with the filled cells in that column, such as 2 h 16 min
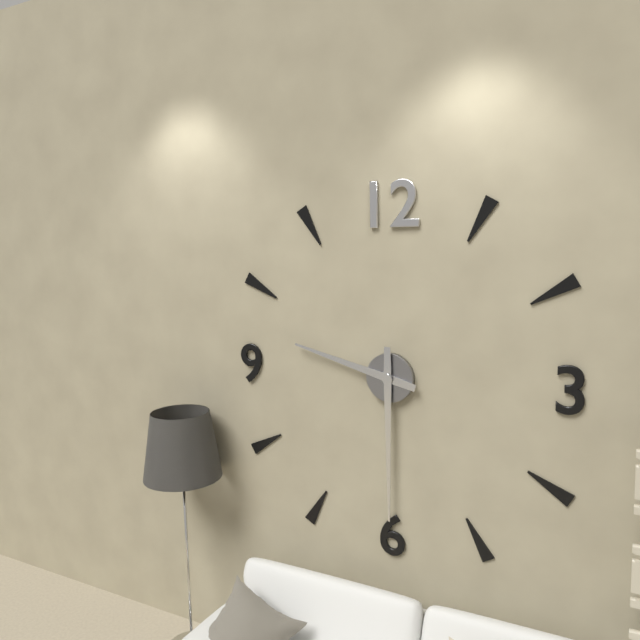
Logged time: 9 h 30 min
